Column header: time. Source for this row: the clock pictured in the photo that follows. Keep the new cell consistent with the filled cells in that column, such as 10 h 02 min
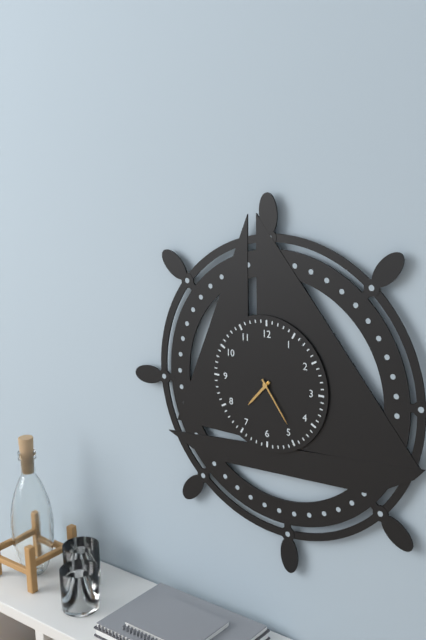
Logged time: 7 h 24 min
